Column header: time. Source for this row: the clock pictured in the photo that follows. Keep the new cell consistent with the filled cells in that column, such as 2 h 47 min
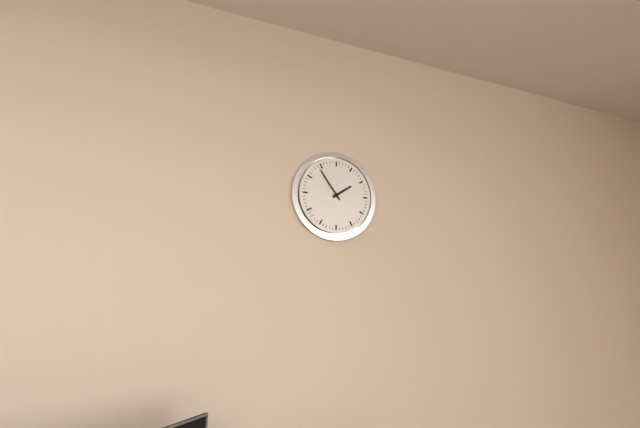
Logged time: 1 h 54 min
